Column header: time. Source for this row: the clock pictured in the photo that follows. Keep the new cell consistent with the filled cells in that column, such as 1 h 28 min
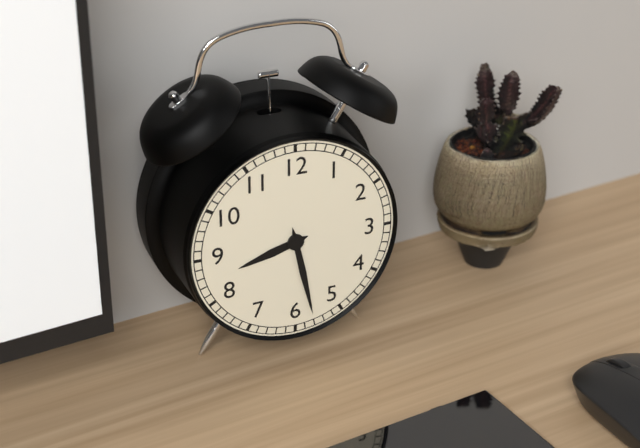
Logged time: 8 h 28 min
